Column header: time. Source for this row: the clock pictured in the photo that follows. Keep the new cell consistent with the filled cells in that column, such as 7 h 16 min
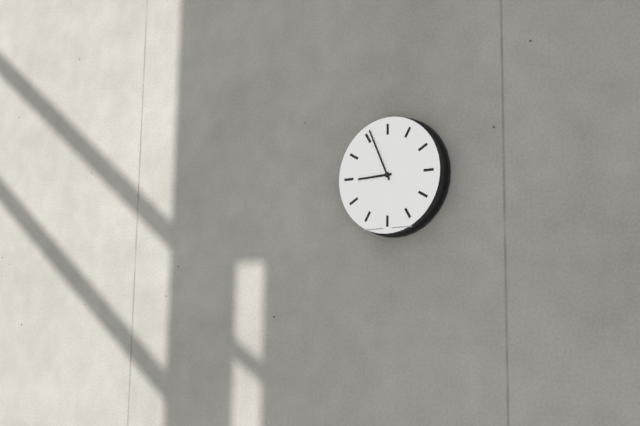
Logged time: 8 h 56 min
